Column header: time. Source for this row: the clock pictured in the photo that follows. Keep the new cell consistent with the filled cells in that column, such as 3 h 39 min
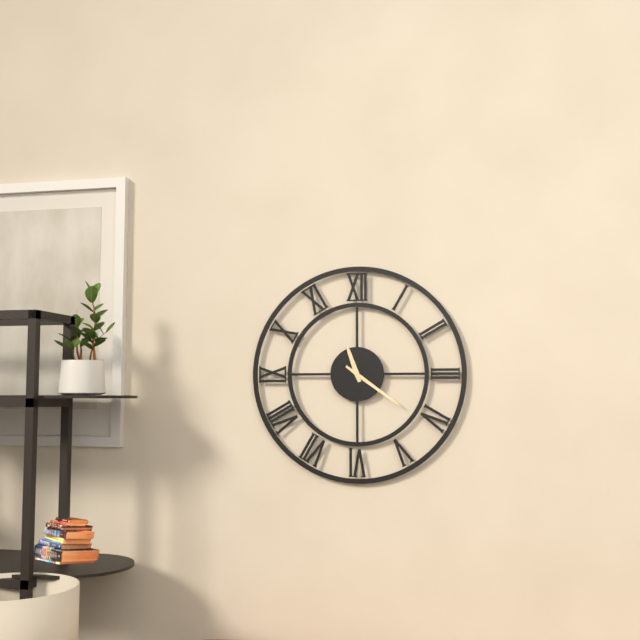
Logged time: 11 h 21 min
